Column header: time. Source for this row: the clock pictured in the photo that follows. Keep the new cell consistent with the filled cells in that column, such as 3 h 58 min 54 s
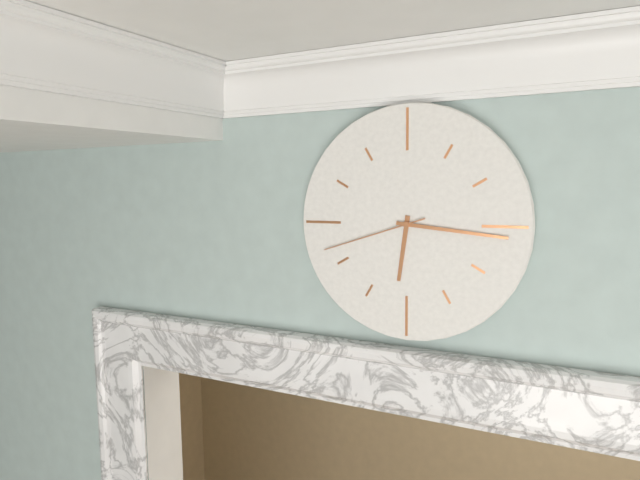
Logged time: 6 h 16 min 42 s
